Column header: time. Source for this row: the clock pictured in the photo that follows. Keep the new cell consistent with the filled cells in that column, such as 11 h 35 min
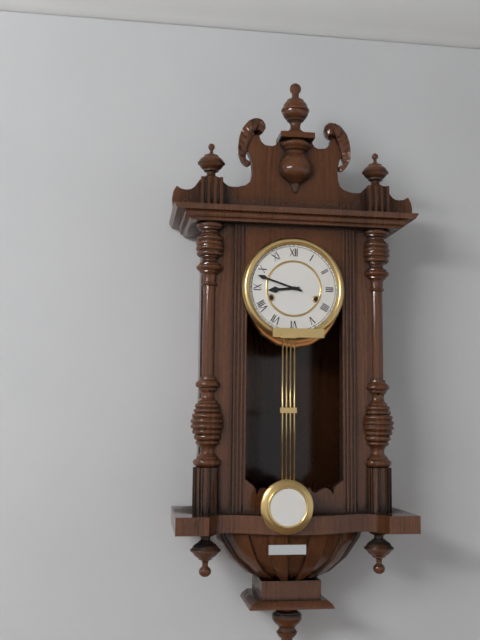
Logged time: 8 h 48 min
